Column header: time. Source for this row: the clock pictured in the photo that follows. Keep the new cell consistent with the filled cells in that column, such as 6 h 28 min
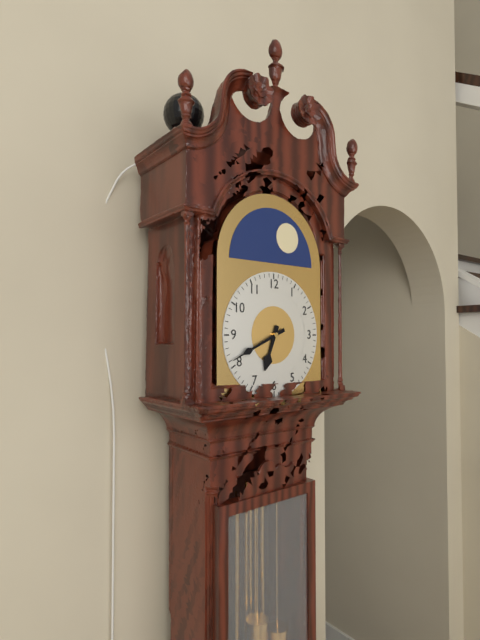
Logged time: 6 h 41 min
